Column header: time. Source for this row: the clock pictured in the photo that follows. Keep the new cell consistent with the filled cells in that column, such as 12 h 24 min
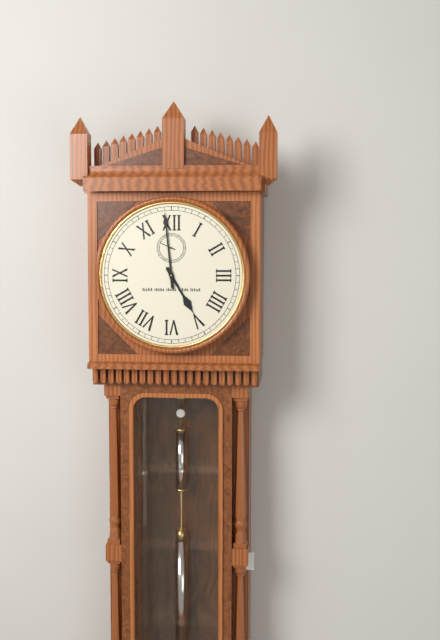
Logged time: 4 h 59 min
